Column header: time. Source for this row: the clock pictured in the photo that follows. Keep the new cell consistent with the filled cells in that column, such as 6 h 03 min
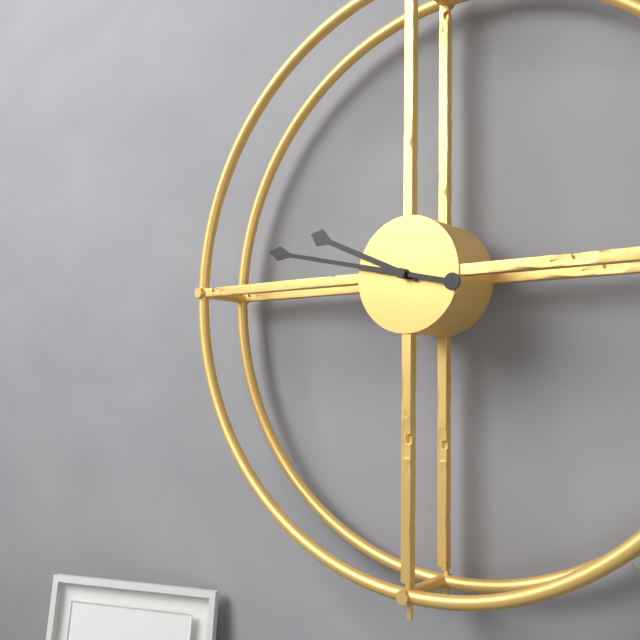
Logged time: 9 h 47 min
